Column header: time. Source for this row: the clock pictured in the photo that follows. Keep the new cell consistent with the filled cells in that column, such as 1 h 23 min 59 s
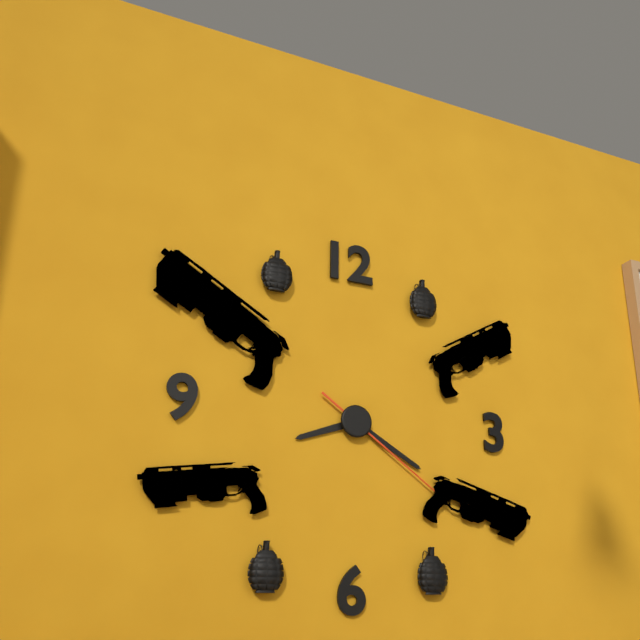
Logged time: 8 h 20 min 21 s
